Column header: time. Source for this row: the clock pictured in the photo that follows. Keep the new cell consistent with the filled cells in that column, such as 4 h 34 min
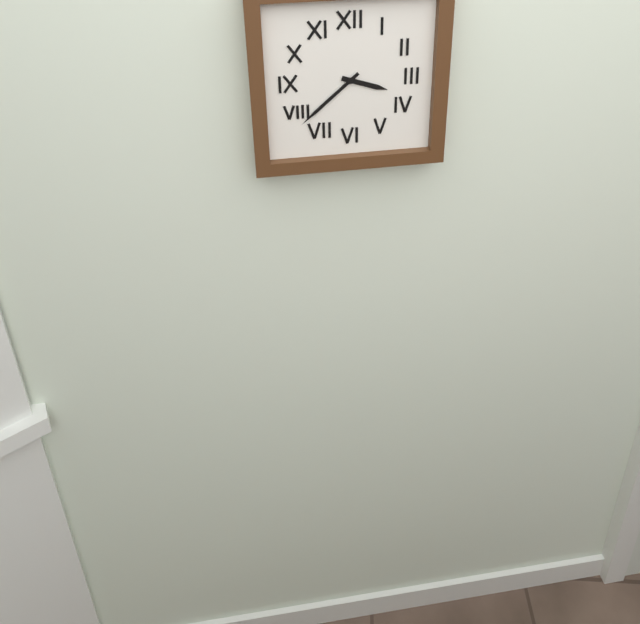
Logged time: 3 h 38 min
